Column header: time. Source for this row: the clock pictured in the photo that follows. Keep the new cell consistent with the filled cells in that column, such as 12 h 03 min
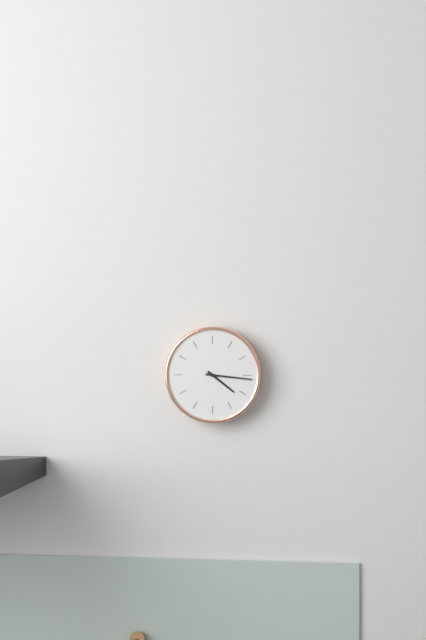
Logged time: 4 h 16 min
